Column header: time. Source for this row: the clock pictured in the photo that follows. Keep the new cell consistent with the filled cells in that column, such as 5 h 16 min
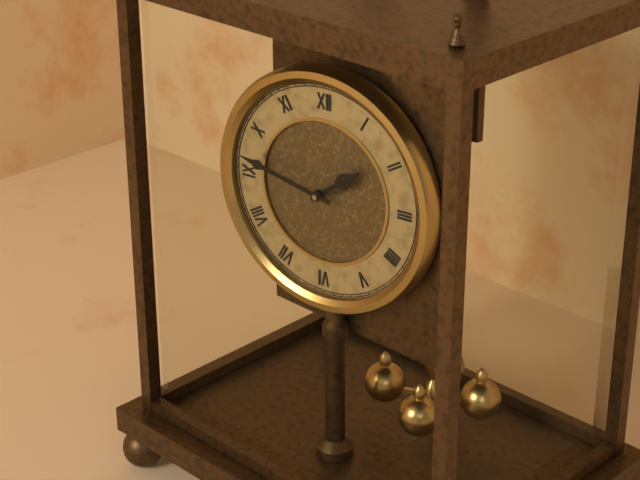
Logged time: 1 h 47 min
